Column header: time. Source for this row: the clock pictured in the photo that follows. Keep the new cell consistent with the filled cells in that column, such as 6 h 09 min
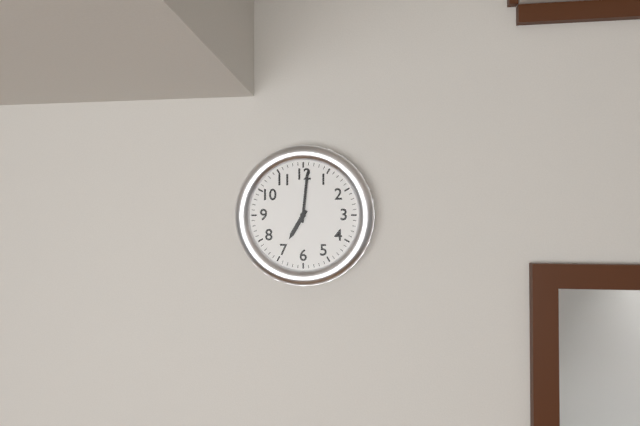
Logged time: 7 h 01 min
